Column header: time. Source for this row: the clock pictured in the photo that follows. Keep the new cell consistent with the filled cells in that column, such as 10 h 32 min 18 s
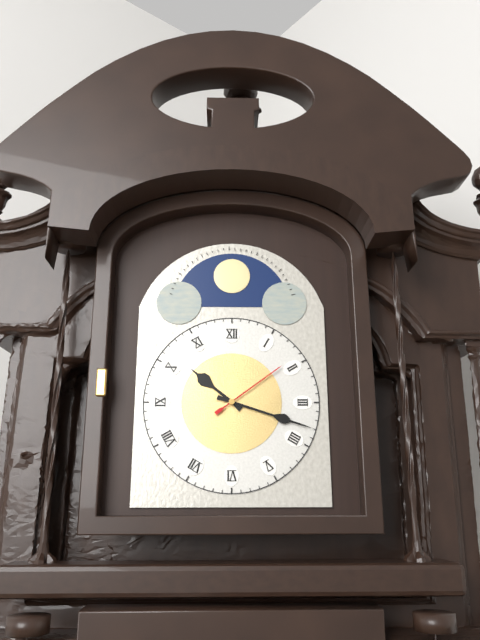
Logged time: 10 h 18 min 09 s
